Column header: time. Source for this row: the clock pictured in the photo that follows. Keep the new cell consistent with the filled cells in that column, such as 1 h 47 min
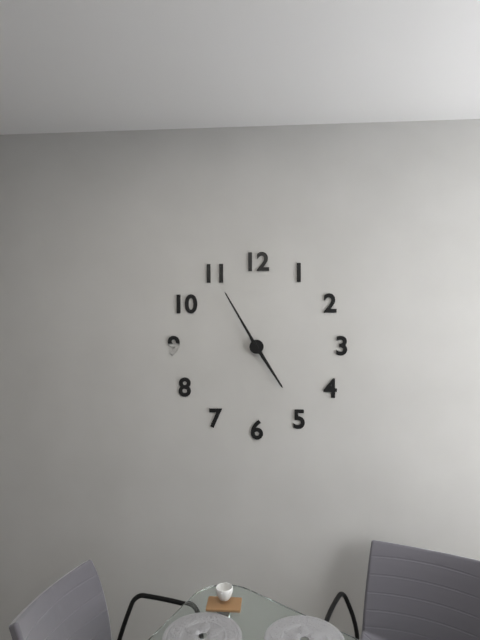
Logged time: 4 h 55 min
